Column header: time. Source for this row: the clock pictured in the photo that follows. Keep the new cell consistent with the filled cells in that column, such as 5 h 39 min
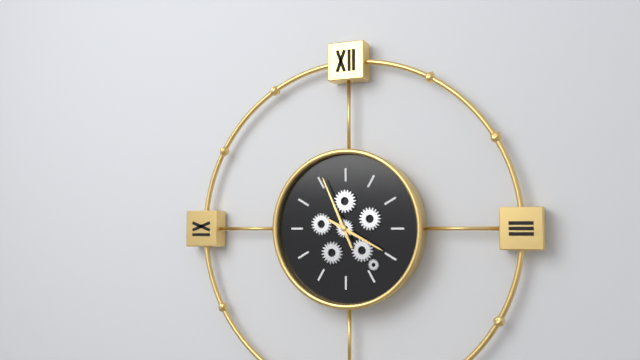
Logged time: 3 h 56 min
